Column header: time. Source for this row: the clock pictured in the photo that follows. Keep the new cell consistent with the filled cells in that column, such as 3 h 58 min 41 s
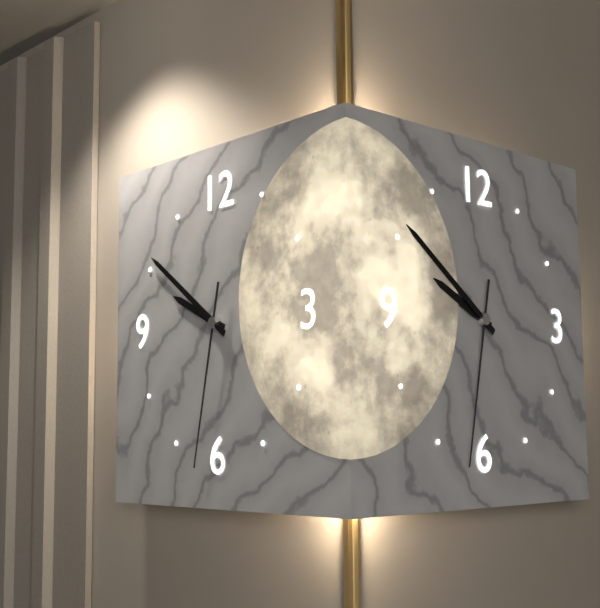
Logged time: 9 h 51 min 32 s
